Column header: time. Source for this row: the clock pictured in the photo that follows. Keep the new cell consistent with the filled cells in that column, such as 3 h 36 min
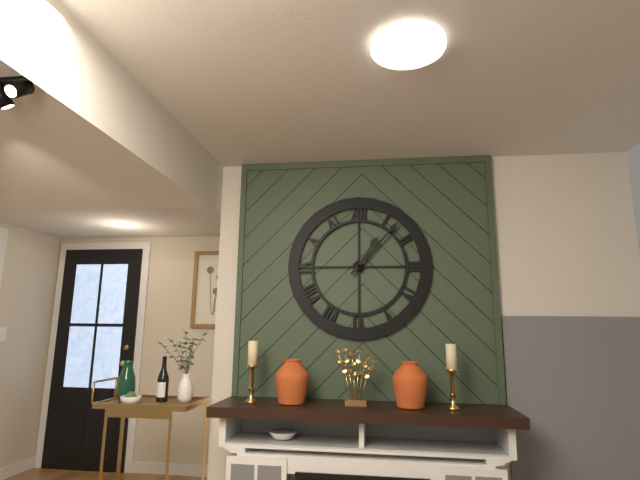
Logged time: 1 h 07 min
